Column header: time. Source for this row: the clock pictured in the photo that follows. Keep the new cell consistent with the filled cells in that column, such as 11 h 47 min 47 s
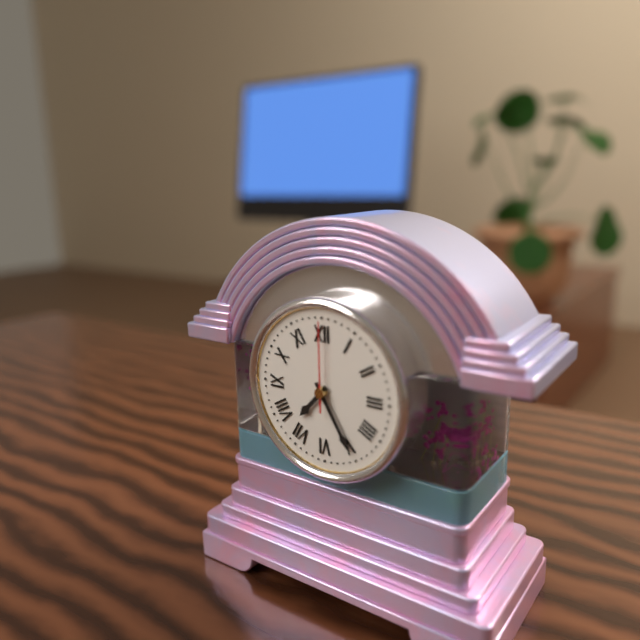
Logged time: 7 h 25 min 00 s
